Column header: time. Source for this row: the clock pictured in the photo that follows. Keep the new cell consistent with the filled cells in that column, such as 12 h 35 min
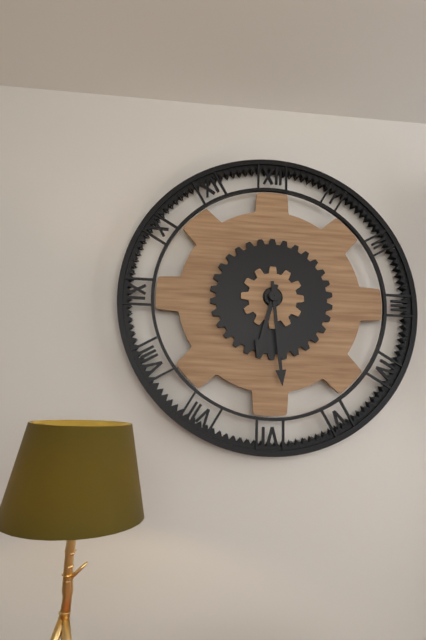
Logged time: 6 h 29 min
